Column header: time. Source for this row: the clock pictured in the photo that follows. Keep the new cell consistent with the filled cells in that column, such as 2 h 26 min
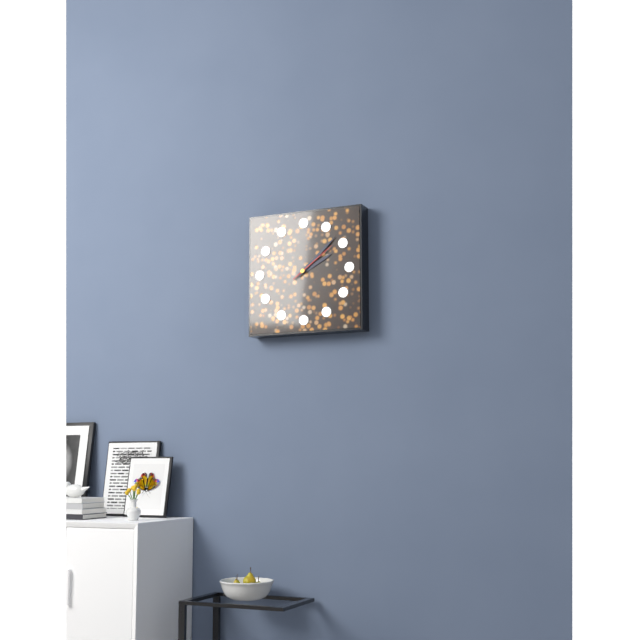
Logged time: 2 h 08 min
